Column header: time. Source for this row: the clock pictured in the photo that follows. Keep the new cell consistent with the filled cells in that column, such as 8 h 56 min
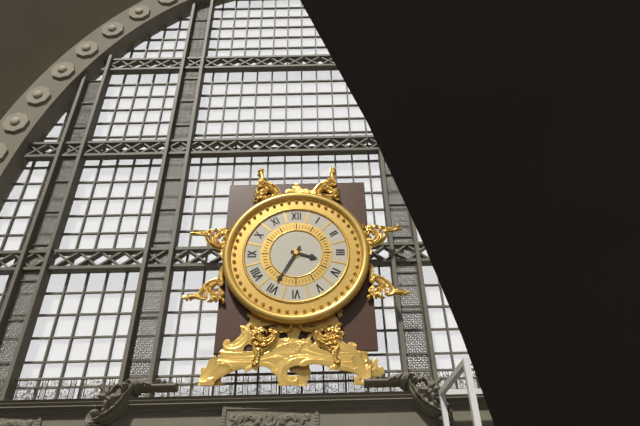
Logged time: 3 h 35 min
